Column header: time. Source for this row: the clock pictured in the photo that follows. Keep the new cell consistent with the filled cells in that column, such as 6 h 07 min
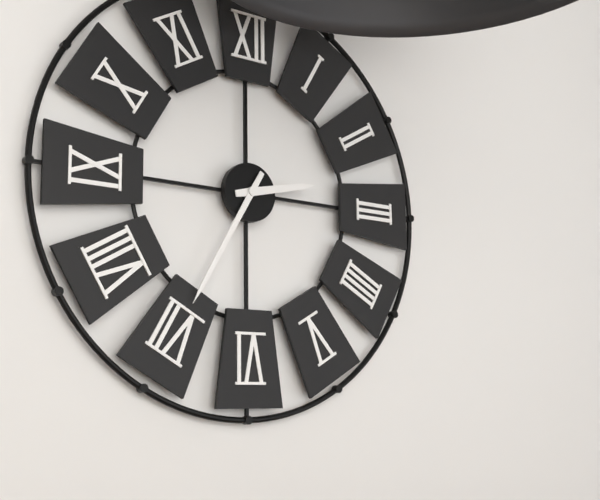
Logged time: 2 h 35 min
